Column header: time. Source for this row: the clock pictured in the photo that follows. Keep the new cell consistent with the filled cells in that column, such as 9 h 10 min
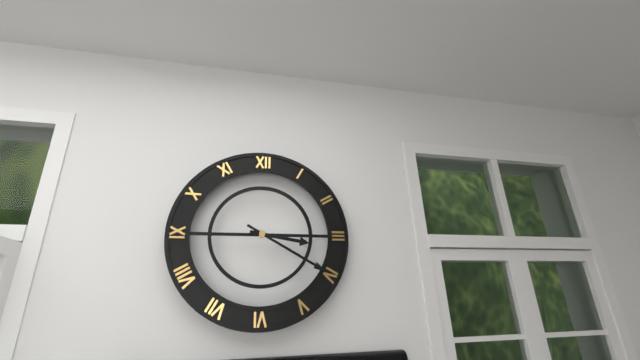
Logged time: 3 h 20 min
